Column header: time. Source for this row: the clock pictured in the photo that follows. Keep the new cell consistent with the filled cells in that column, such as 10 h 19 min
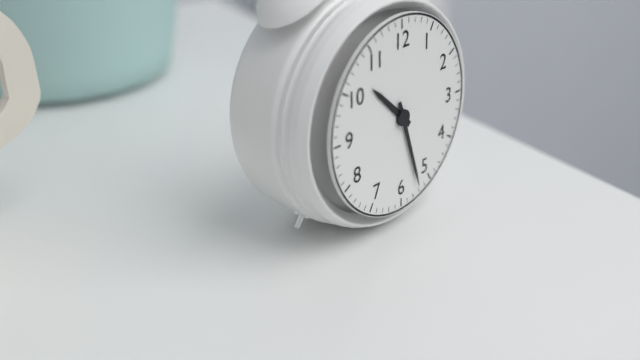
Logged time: 10 h 27 min
